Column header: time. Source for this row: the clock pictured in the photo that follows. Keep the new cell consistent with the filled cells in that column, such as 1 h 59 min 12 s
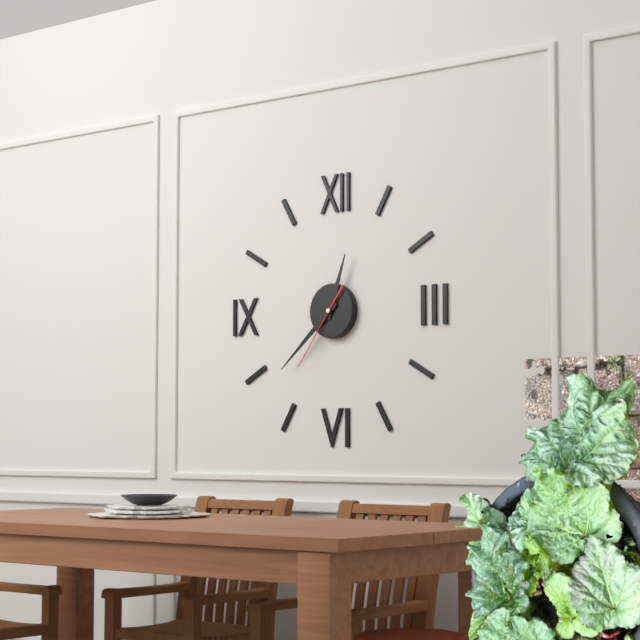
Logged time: 12 h 38 min 36 s
